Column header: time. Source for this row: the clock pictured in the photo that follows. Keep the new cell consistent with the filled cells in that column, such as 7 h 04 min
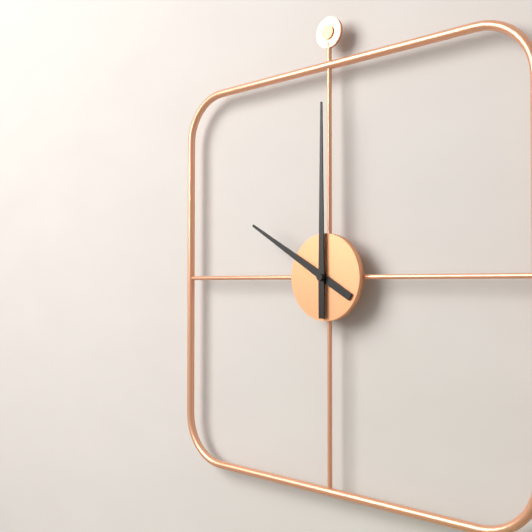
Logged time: 10 h 00 min
